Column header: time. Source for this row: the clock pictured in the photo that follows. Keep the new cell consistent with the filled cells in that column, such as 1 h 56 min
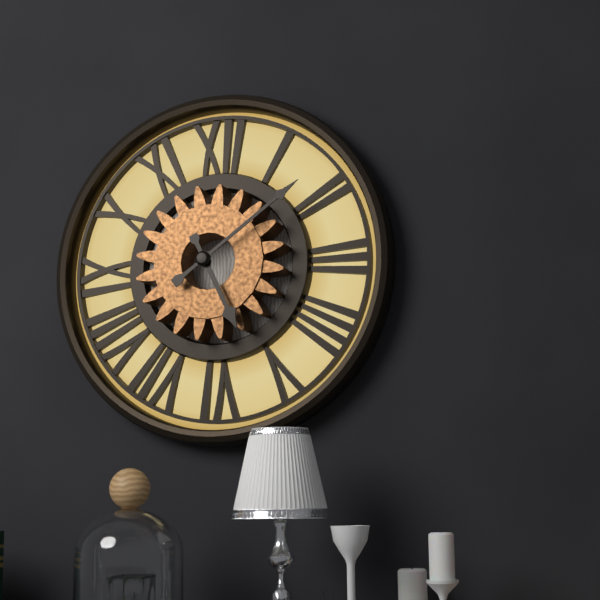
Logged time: 5 h 09 min
